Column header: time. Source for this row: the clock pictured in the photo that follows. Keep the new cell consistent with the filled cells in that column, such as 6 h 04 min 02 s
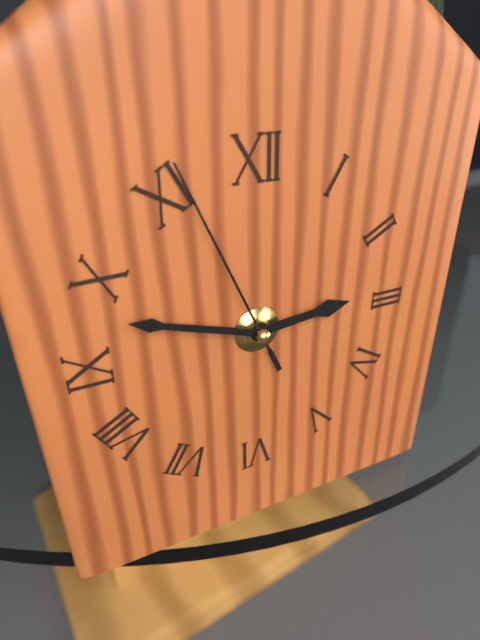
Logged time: 2 h 48 min 56 s
